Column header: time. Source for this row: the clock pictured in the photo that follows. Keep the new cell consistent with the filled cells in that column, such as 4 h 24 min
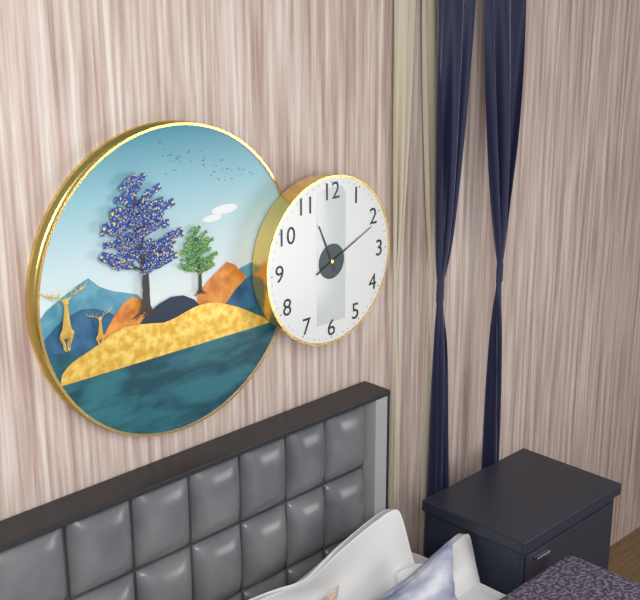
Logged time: 11 h 11 min
